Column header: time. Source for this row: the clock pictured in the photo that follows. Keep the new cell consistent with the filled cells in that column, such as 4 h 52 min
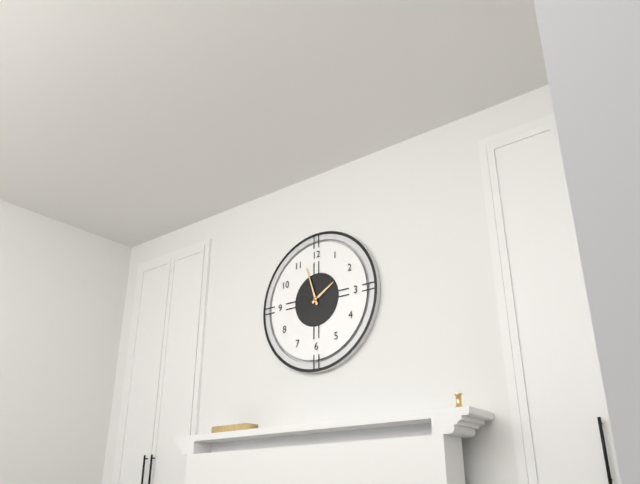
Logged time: 1 h 57 min
